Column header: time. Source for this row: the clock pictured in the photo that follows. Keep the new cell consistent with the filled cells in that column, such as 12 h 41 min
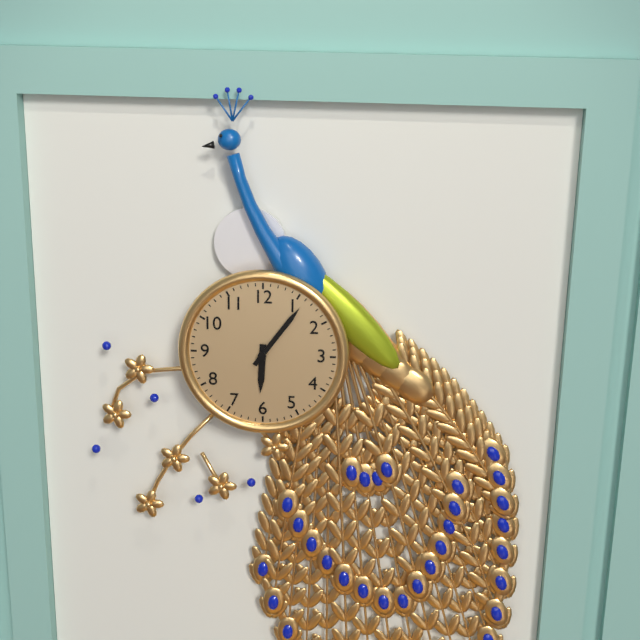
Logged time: 6 h 06 min
